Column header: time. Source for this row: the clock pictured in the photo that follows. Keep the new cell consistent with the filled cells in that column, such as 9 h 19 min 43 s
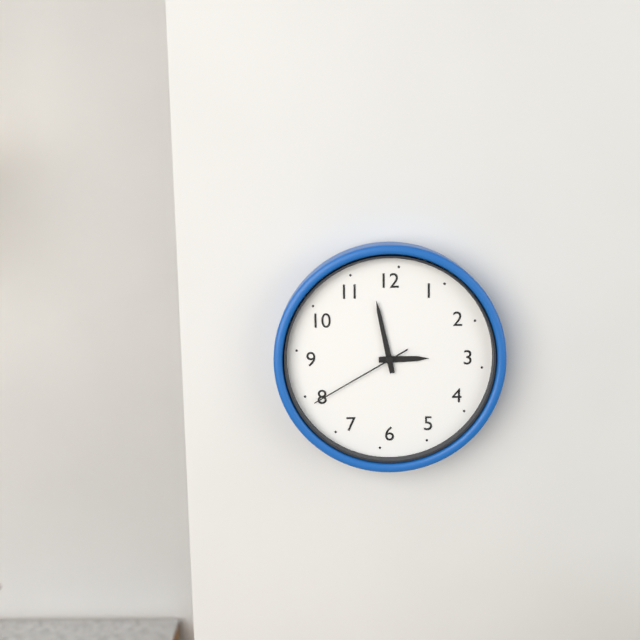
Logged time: 2 h 58 min 40 s
